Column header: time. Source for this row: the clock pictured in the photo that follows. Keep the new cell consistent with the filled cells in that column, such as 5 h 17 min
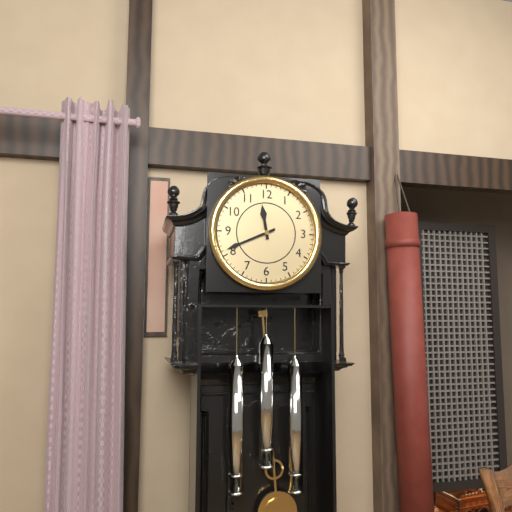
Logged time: 11 h 41 min
